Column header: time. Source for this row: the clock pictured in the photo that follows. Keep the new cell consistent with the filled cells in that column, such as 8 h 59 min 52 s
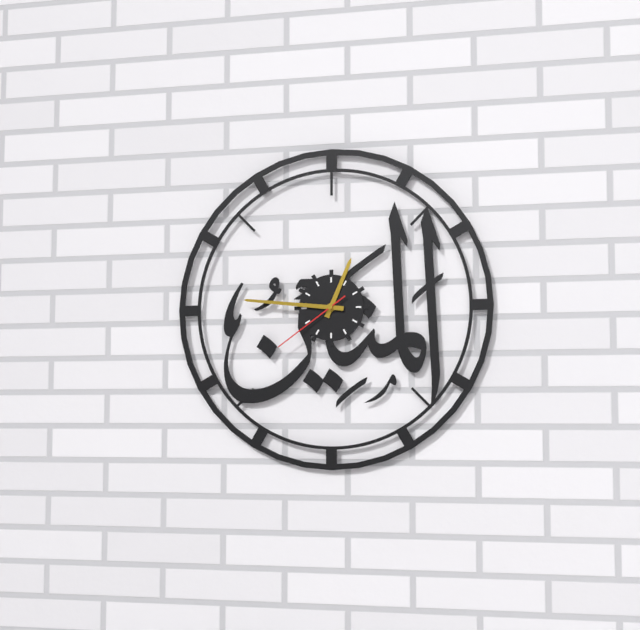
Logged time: 12 h 46 min 39 s
